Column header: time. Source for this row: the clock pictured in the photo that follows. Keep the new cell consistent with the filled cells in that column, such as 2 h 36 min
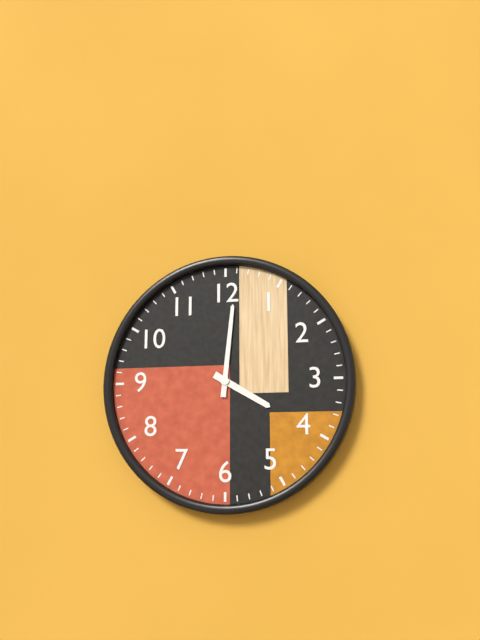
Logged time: 4 h 01 min
